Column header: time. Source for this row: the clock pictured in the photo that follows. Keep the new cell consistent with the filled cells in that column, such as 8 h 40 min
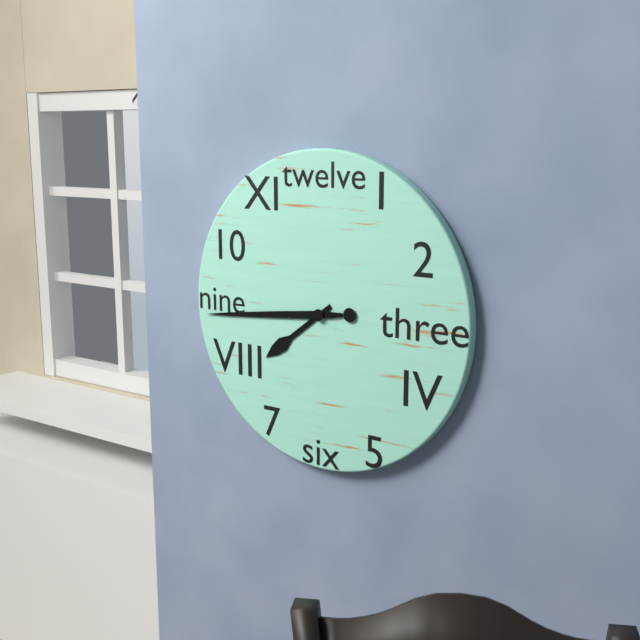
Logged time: 7 h 44 min
